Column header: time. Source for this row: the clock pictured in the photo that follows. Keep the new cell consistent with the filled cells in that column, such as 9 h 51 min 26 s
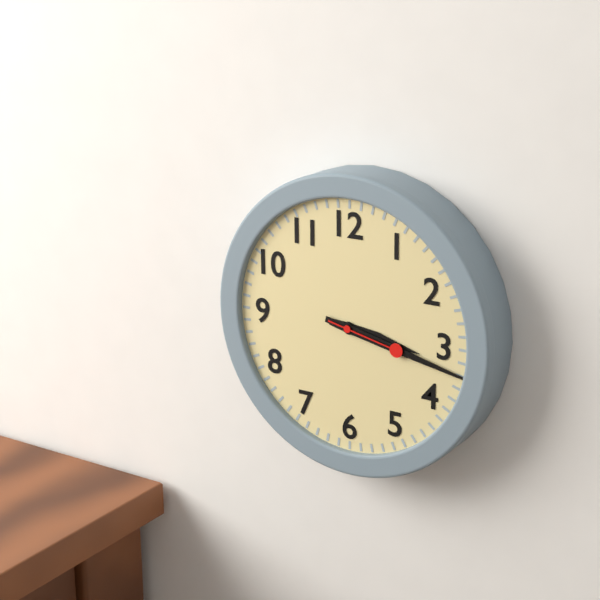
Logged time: 3 h 17 min 17 s
